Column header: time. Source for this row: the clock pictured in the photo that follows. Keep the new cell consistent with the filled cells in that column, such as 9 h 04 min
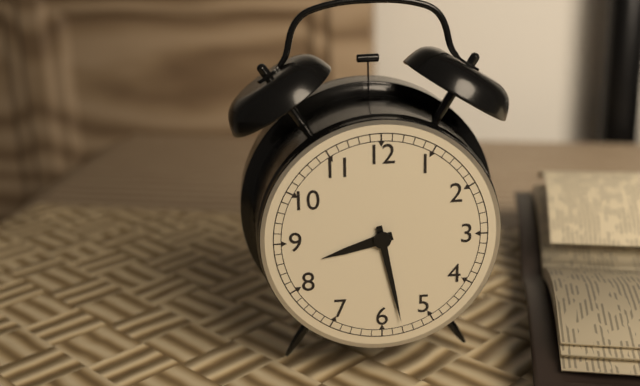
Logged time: 8 h 28 min
